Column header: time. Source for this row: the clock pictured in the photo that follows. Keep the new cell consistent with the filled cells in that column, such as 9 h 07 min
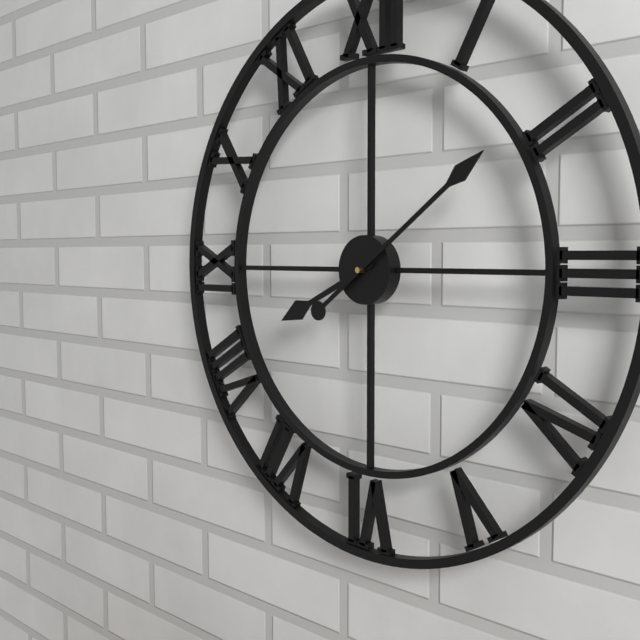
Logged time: 8 h 09 min
